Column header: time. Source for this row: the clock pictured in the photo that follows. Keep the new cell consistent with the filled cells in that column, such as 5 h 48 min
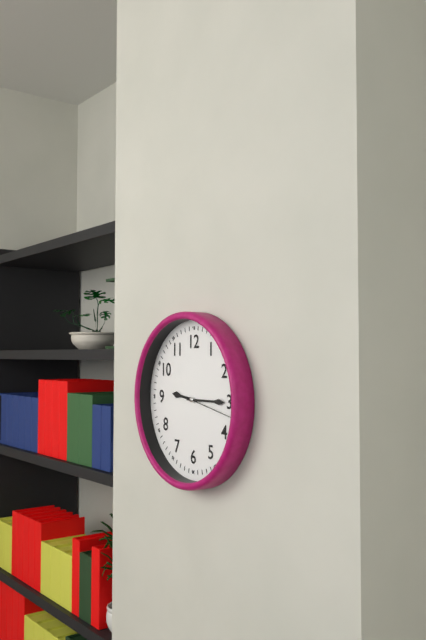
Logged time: 9 h 15 min
